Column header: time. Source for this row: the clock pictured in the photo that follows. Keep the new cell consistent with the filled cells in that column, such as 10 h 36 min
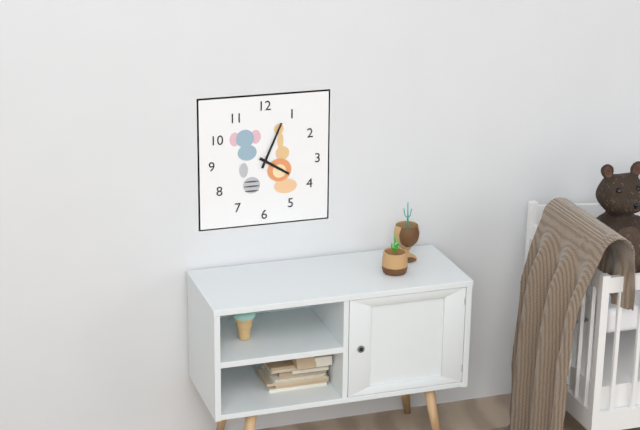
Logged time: 4 h 04 min
